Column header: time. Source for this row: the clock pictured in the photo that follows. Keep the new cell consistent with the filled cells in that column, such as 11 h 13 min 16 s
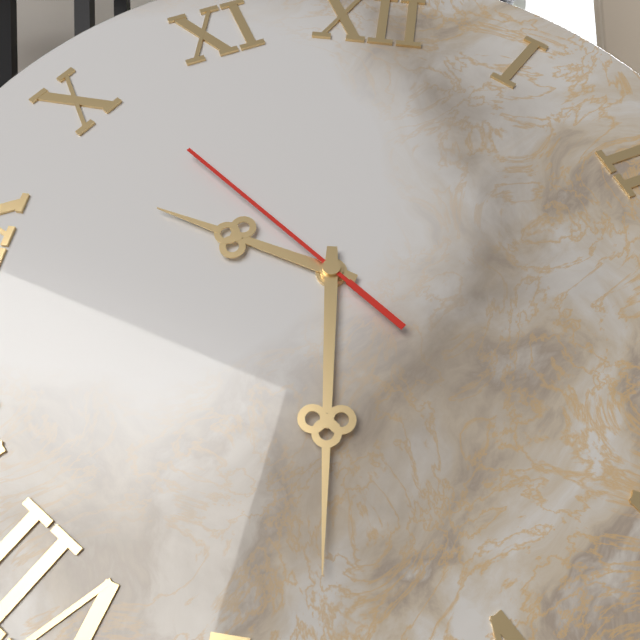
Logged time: 9 h 29 min 51 s
